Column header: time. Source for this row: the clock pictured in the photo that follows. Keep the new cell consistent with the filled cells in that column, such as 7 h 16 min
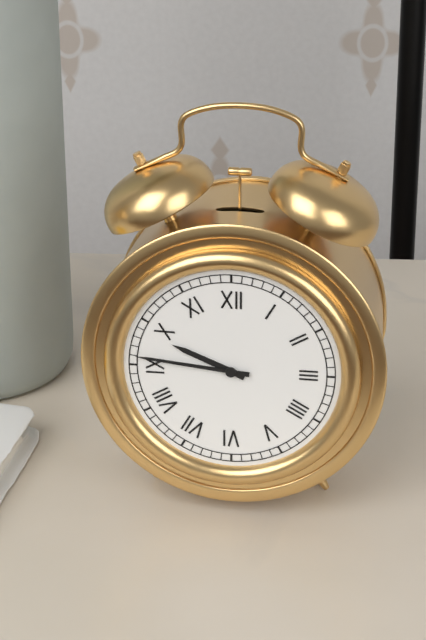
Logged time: 9 h 46 min
